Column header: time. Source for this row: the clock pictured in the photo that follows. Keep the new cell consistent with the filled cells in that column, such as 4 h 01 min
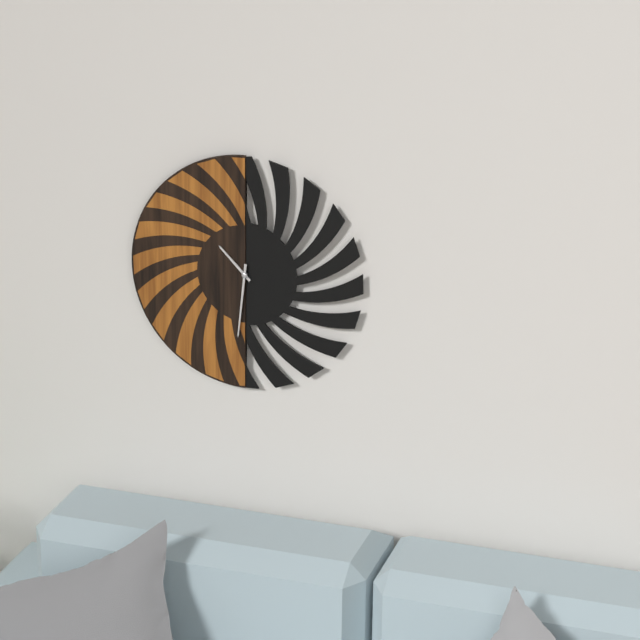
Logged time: 10 h 31 min
